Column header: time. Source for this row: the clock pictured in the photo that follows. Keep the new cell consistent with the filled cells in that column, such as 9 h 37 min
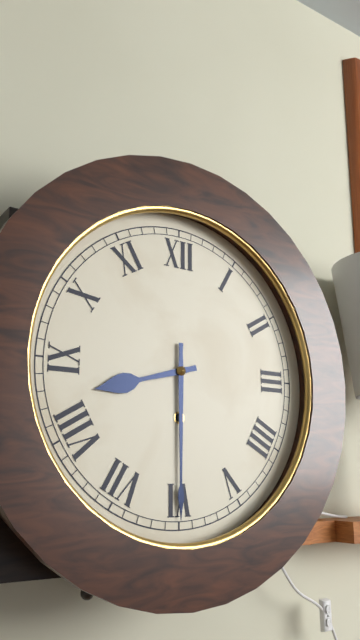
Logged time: 8 h 30 min
